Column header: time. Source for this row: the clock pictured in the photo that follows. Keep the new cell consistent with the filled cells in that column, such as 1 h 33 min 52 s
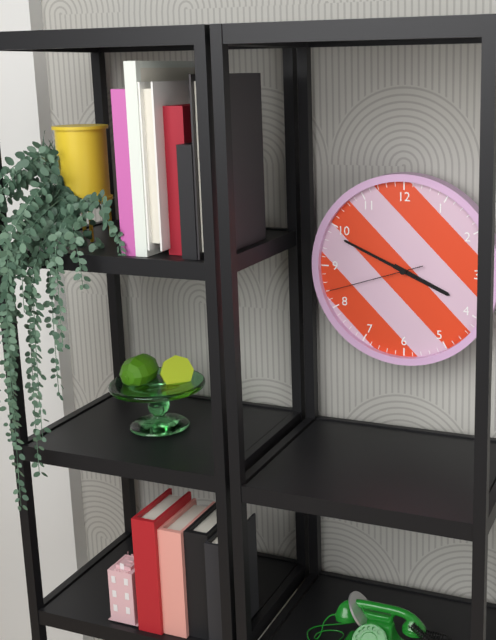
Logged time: 3 h 49 min 42 s
